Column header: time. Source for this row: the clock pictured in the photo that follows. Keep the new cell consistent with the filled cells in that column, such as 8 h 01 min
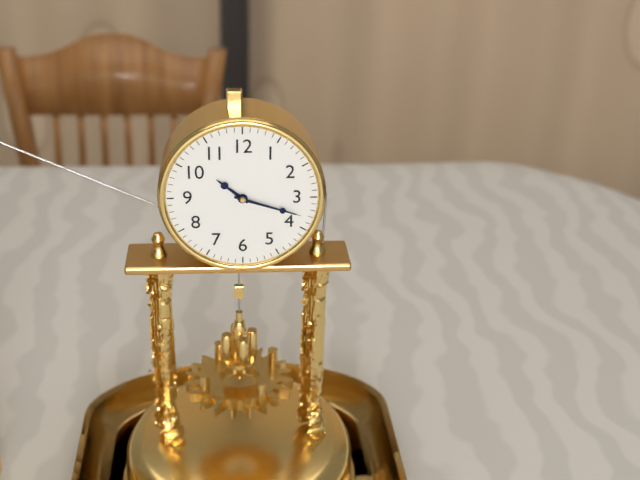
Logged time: 10 h 18 min
